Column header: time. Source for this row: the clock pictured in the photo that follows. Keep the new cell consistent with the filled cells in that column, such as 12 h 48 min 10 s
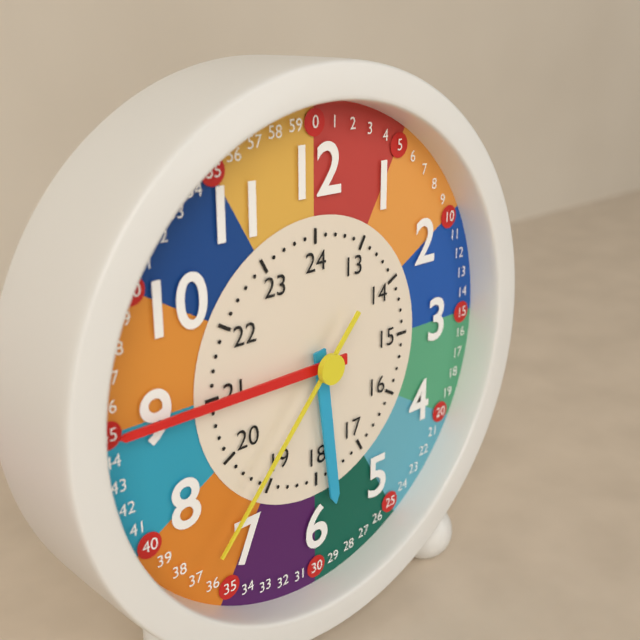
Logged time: 5 h 45 min 37 s
